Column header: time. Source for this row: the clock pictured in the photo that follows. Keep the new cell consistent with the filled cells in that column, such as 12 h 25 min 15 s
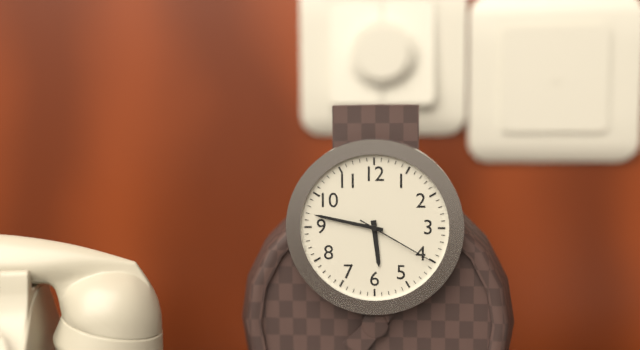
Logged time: 5 h 47 min 20 s
